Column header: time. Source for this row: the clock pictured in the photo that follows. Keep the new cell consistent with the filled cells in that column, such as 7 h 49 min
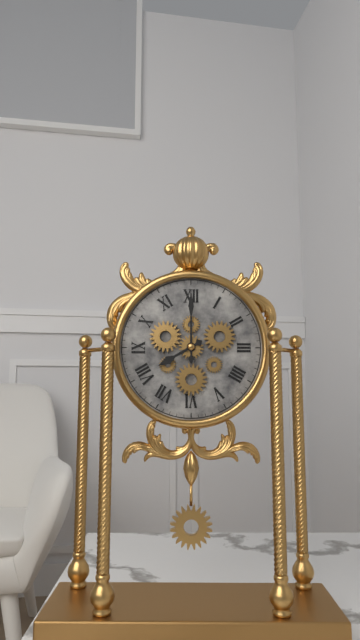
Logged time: 8 h 00 min
